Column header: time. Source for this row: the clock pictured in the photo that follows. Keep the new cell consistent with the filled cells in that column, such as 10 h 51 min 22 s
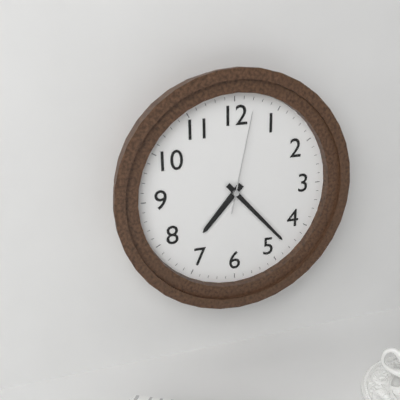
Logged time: 7 h 23 min 02 s
